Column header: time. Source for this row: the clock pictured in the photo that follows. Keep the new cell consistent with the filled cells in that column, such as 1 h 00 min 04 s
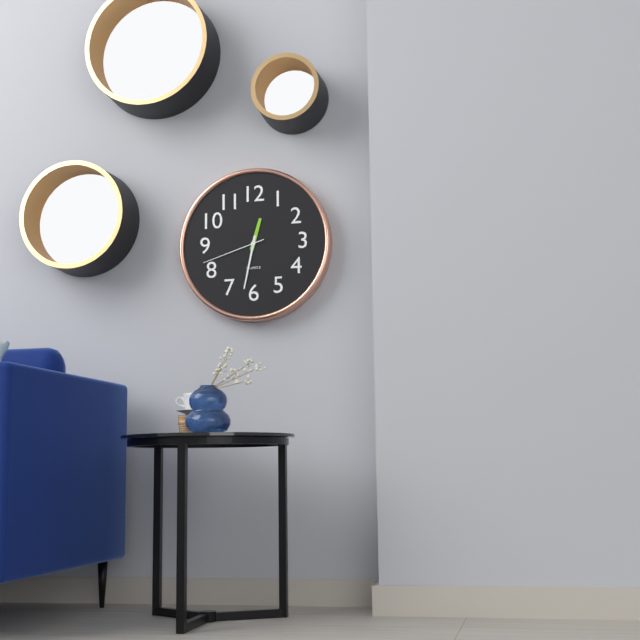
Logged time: 12 h 32 min 42 s
